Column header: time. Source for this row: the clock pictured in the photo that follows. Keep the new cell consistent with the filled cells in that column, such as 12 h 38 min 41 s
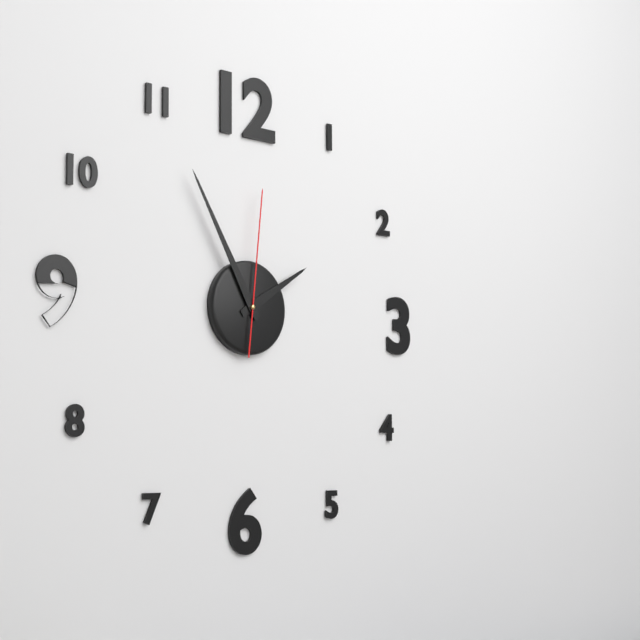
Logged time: 1 h 55 min 01 s
